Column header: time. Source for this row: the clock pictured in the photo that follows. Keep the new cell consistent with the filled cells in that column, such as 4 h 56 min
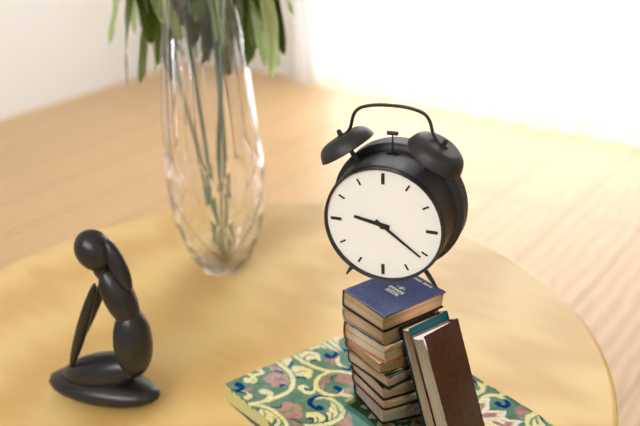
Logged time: 9 h 21 min
